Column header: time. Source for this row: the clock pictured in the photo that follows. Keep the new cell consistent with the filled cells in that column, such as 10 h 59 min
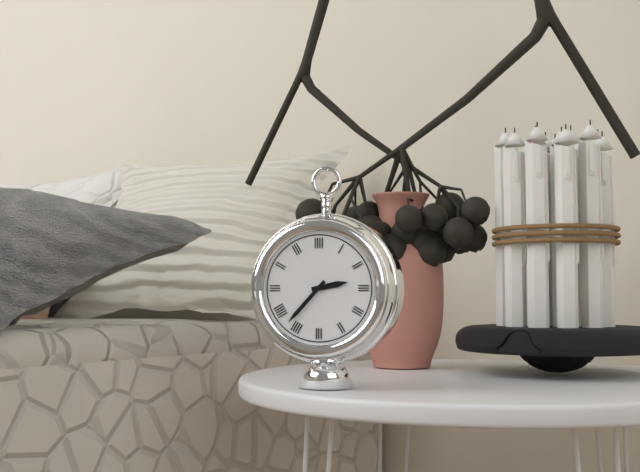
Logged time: 2 h 37 min
